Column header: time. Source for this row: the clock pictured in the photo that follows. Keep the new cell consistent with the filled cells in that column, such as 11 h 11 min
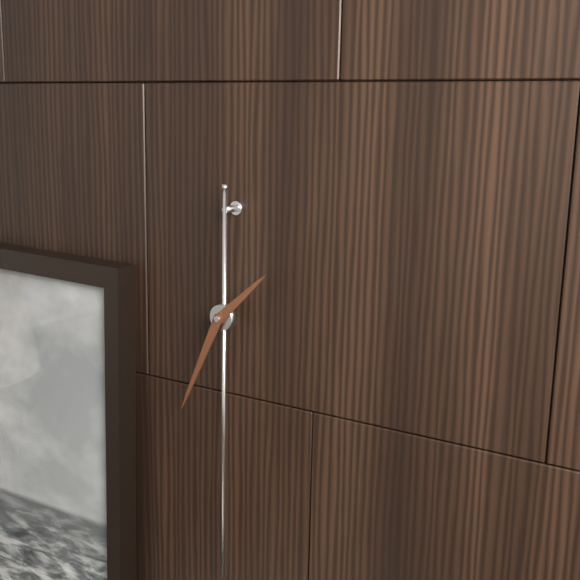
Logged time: 1 h 34 min
